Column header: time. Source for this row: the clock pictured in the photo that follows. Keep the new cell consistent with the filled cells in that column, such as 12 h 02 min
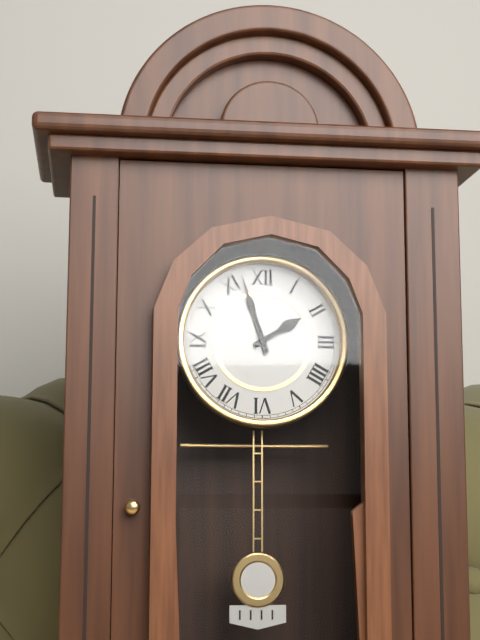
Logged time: 1 h 57 min
